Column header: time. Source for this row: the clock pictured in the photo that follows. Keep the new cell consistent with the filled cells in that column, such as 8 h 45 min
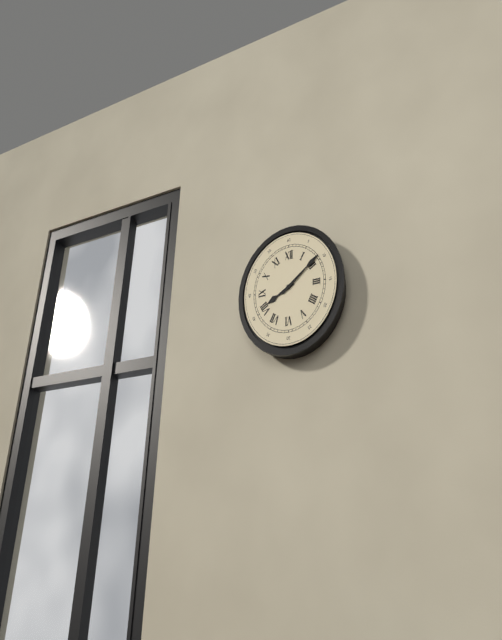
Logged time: 8 h 09 min
